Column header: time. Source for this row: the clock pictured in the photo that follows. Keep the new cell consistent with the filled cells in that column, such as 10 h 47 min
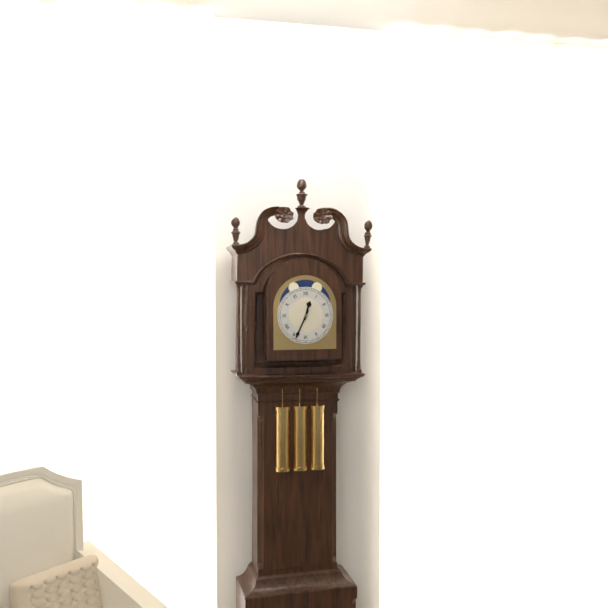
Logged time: 12 h 34 min
